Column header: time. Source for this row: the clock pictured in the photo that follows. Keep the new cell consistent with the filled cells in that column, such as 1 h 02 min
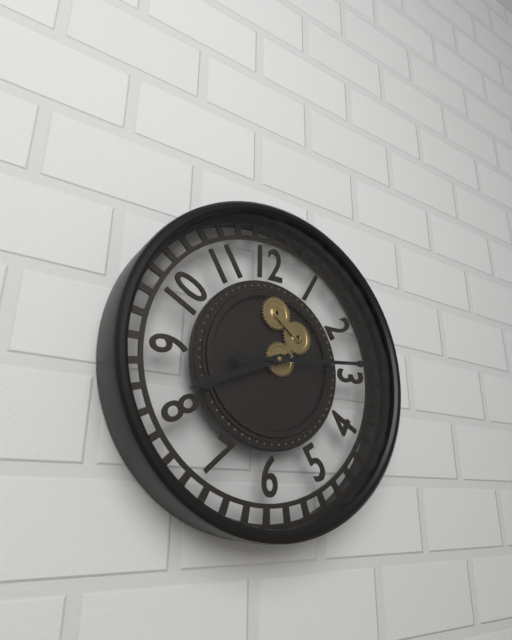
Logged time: 8 h 14 min
